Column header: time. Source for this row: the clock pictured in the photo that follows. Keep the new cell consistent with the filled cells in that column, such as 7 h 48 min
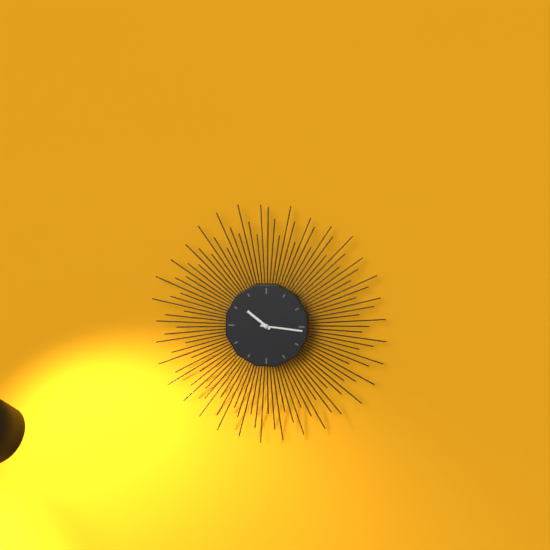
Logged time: 10 h 16 min
